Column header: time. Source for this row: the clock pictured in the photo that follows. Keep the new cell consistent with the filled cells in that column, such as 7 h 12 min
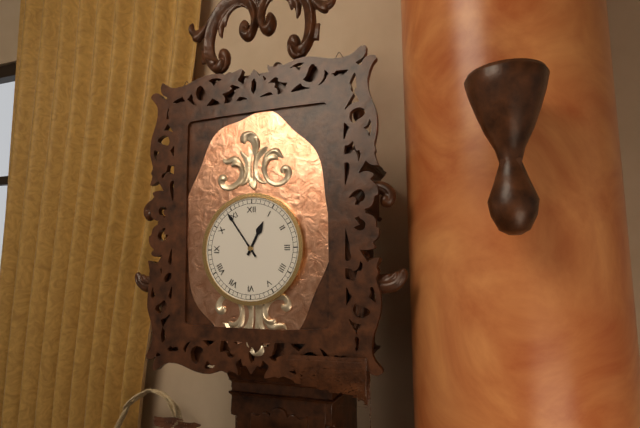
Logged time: 12 h 54 min
